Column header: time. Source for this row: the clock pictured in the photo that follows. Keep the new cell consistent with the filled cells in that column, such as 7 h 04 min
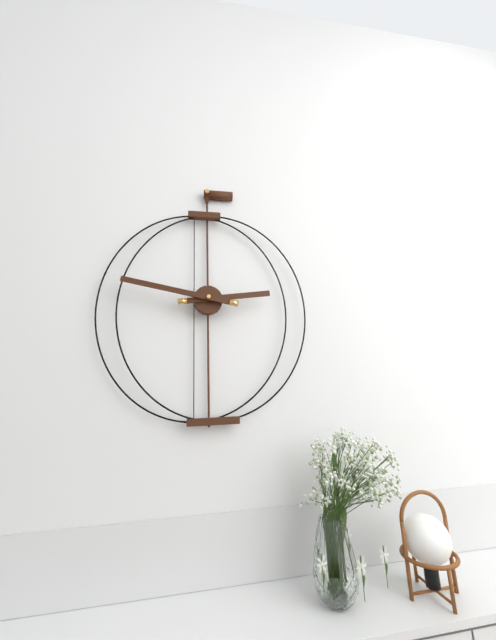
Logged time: 2 h 47 min
